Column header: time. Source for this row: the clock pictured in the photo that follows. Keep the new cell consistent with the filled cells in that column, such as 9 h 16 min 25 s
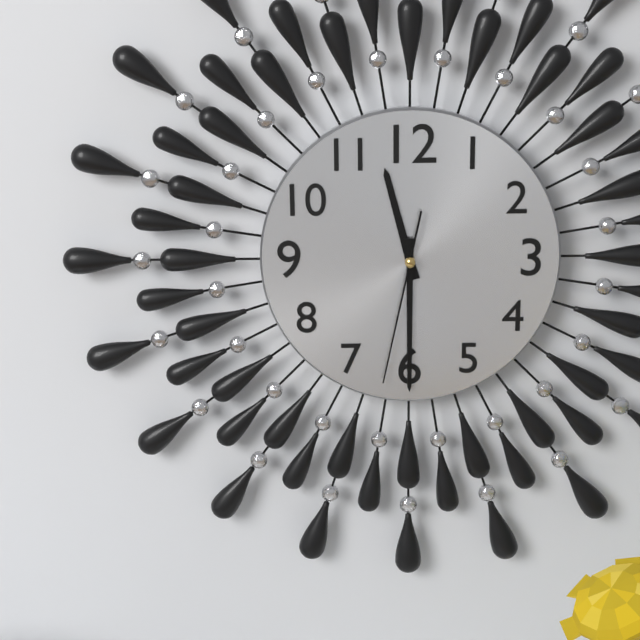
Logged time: 11 h 30 min 32 s
